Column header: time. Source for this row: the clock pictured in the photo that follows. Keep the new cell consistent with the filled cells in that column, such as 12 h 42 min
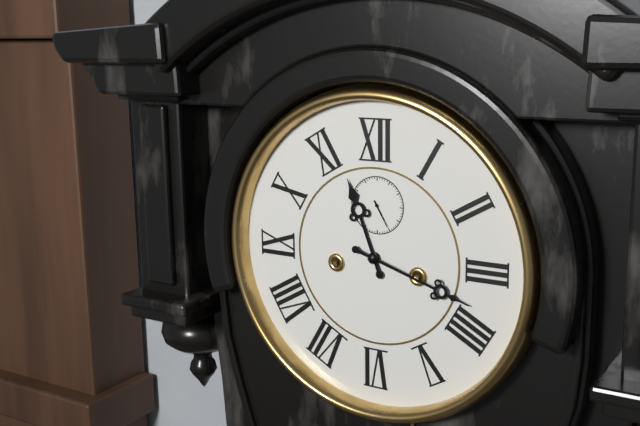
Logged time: 11 h 18 min
